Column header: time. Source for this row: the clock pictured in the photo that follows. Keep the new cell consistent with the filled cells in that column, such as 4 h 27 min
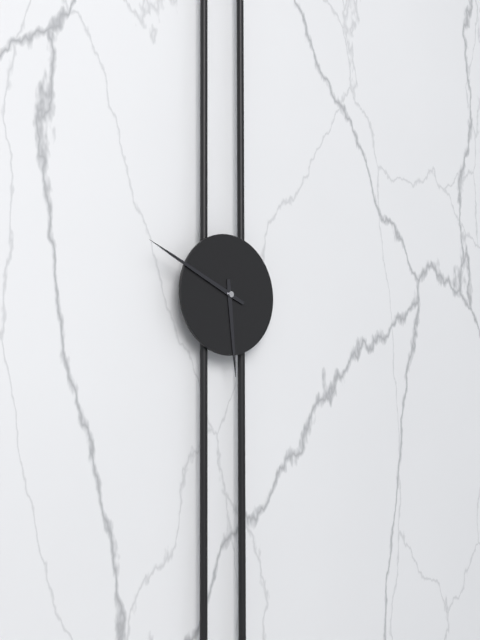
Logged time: 5 h 49 min
